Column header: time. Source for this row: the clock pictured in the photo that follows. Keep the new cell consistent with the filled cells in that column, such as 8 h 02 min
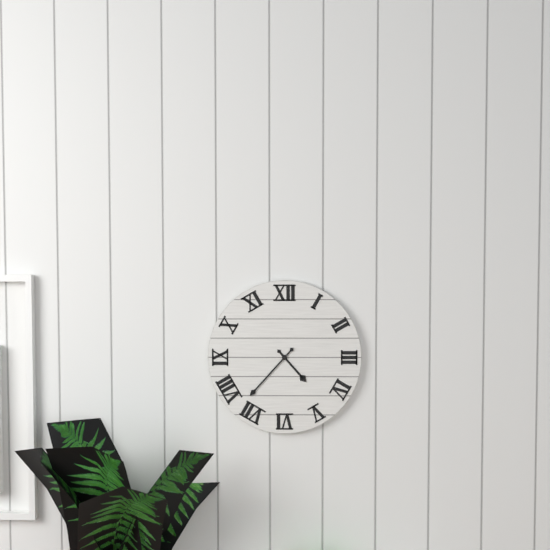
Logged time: 4 h 37 min
